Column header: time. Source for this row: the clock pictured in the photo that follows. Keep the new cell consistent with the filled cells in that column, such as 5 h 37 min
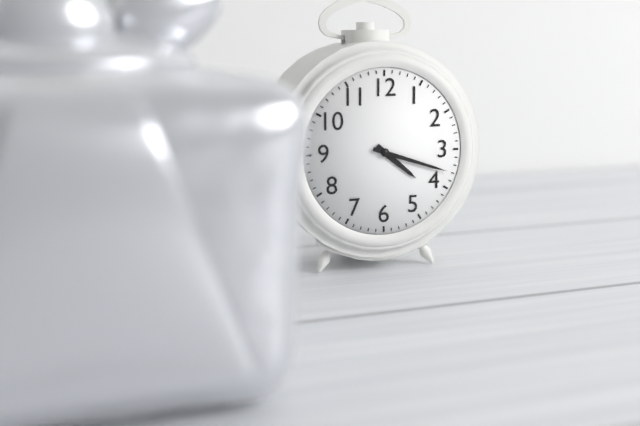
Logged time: 4 h 18 min
